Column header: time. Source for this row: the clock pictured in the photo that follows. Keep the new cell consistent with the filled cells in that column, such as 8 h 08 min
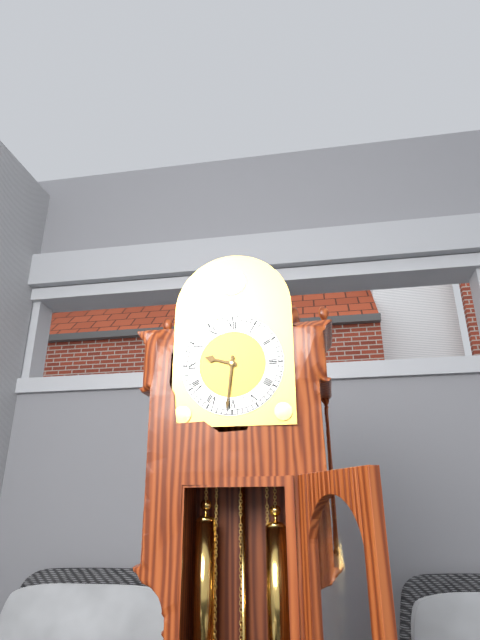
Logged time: 9 h 31 min
